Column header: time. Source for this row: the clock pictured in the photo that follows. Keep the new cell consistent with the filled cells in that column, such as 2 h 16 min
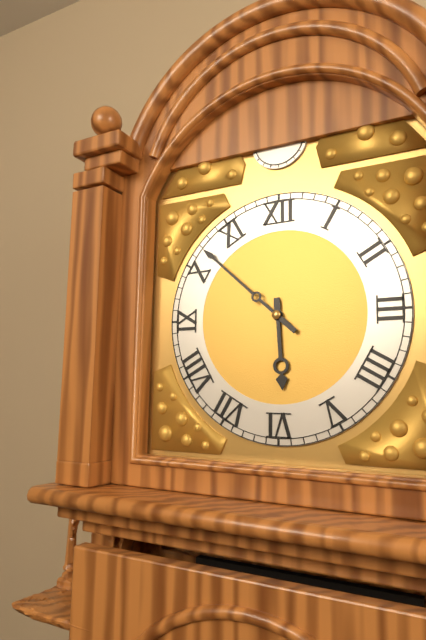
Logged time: 5 h 52 min
